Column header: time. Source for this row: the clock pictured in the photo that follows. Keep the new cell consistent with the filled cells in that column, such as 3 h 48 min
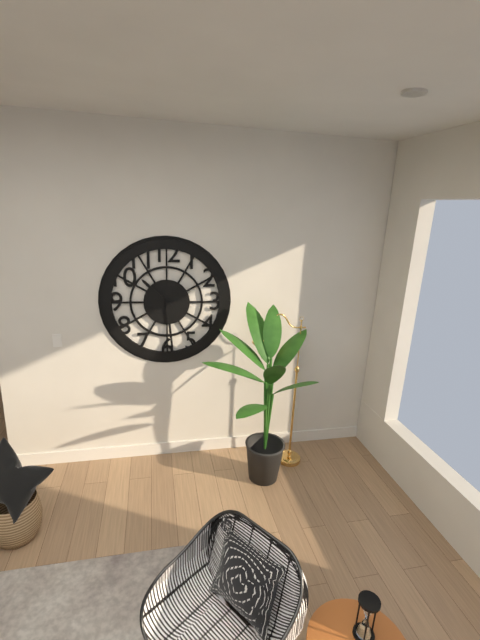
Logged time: 10 h 29 min
